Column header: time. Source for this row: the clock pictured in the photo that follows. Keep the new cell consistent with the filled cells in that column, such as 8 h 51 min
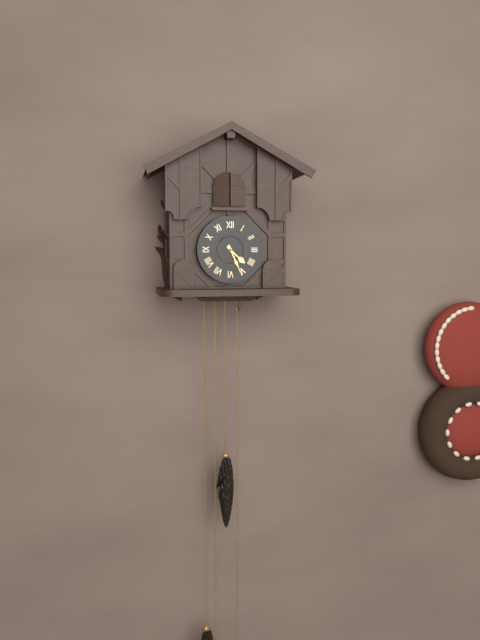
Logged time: 4 h 26 min
